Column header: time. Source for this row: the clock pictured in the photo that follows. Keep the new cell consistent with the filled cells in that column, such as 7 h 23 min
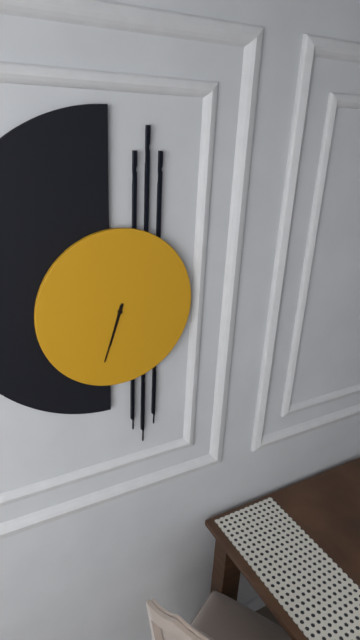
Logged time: 6 h 33 min
